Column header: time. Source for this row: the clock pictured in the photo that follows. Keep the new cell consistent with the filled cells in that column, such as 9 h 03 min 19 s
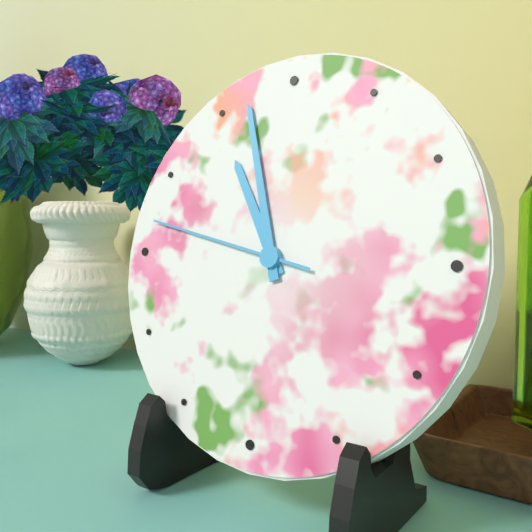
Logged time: 10 h 57 min 47 s
